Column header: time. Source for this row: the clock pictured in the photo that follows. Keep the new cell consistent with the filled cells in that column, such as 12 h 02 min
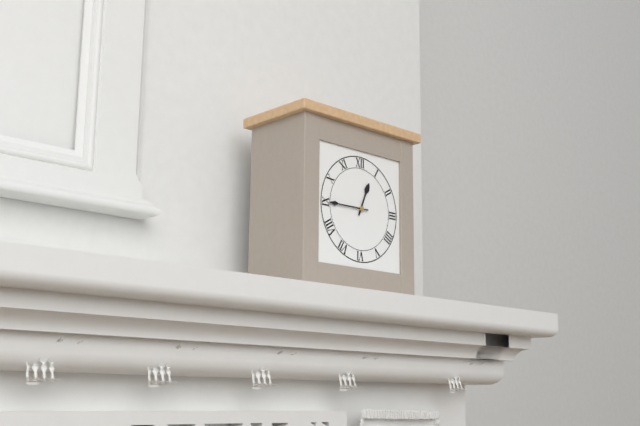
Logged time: 12 h 45 min
